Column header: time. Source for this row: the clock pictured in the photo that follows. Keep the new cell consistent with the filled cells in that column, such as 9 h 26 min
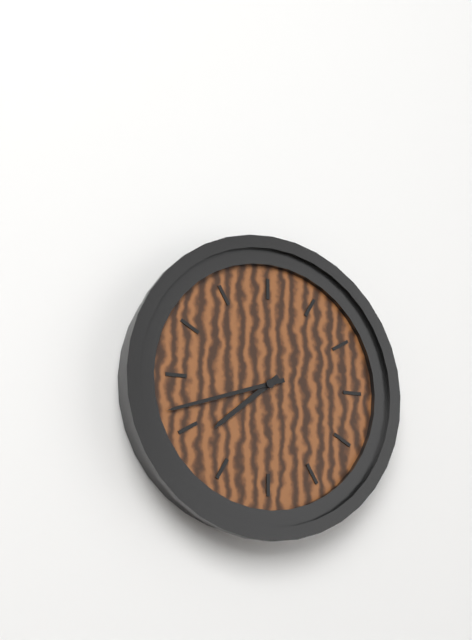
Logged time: 7 h 42 min
